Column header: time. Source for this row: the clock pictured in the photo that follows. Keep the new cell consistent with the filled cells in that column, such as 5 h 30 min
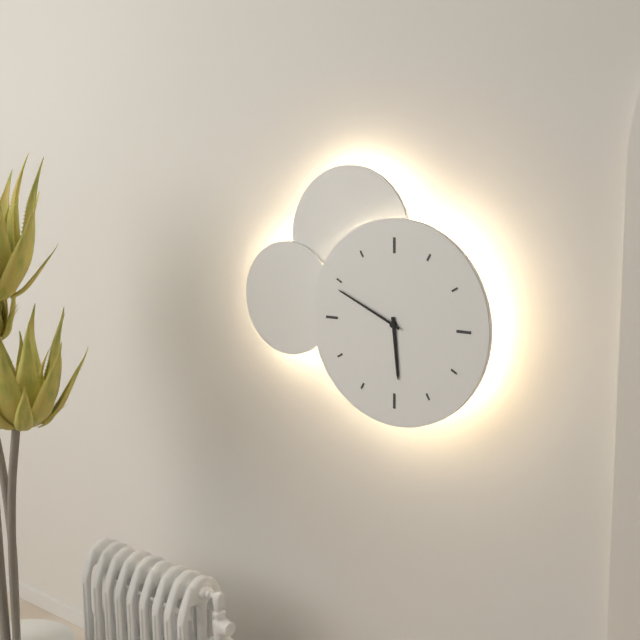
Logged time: 5 h 49 min
